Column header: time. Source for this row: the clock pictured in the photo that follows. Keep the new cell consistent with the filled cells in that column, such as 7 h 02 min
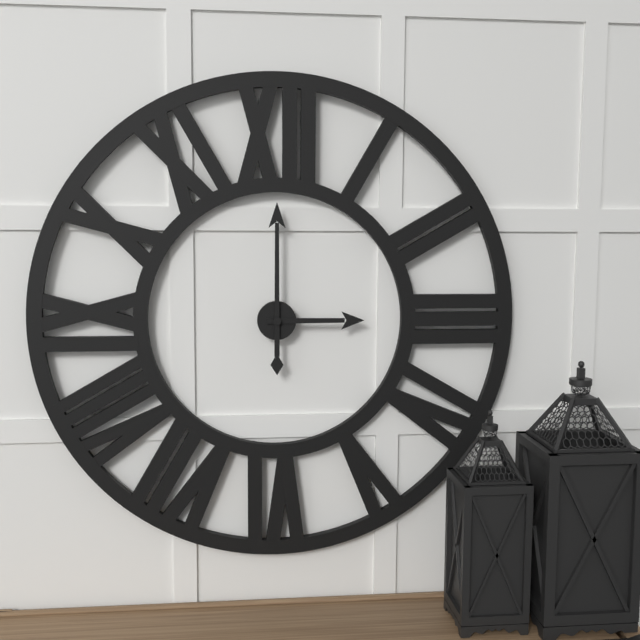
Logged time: 3 h 00 min
